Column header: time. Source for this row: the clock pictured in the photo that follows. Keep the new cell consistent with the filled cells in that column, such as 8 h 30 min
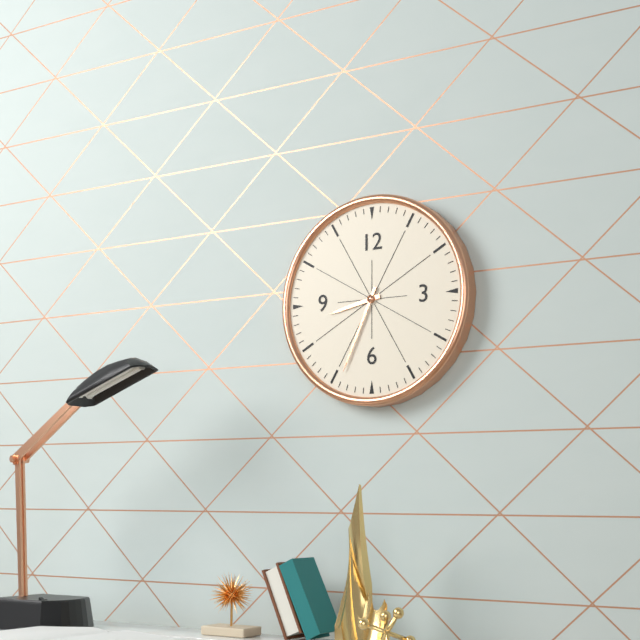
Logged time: 8 h 34 min
